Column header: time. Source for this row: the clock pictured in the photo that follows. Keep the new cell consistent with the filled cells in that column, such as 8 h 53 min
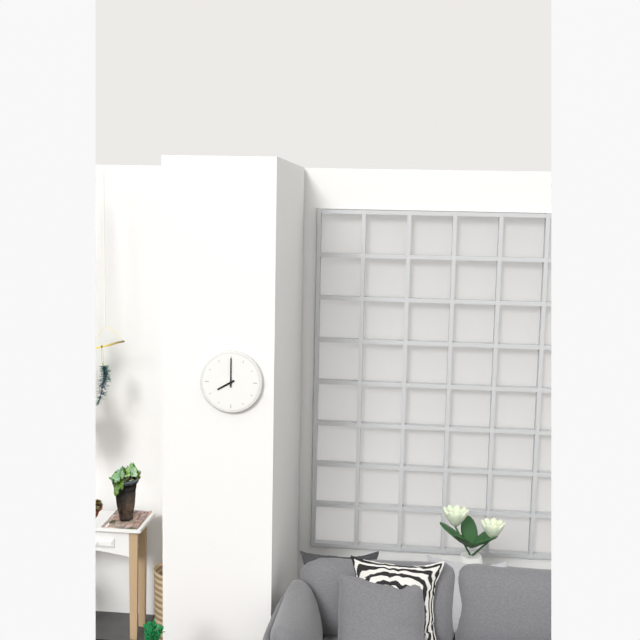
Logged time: 8 h 00 min
